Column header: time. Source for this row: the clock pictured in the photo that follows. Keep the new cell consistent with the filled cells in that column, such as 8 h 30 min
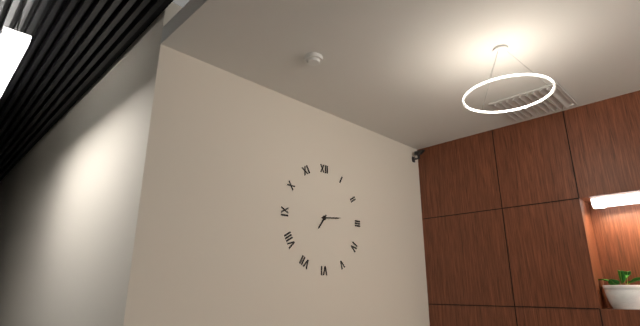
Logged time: 7 h 14 min
